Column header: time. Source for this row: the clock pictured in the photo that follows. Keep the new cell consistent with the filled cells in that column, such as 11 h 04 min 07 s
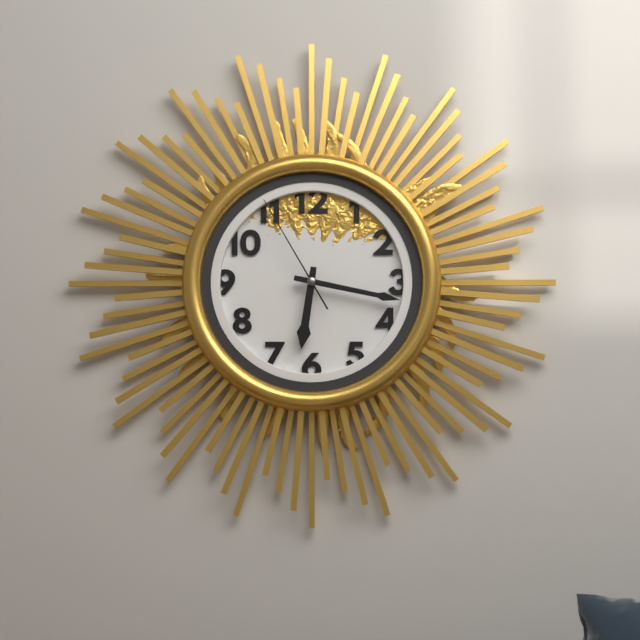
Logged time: 6 h 17 min 55 s
